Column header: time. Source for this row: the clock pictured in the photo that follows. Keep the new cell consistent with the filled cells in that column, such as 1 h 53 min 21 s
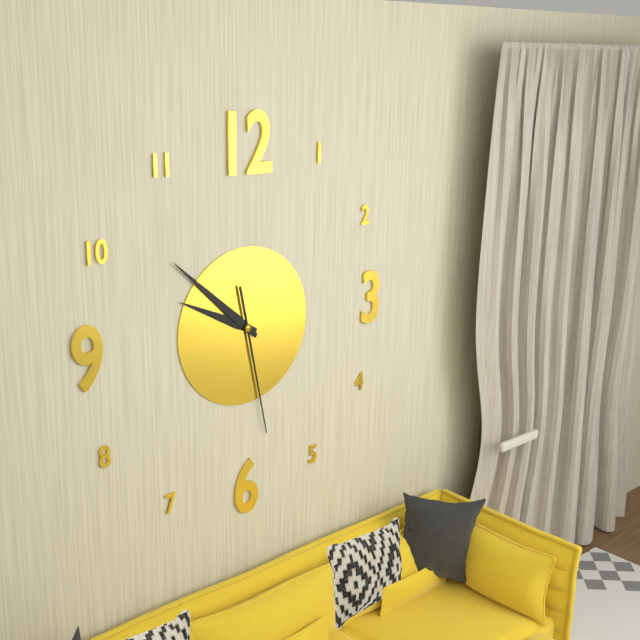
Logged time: 9 h 52 min 28 s
